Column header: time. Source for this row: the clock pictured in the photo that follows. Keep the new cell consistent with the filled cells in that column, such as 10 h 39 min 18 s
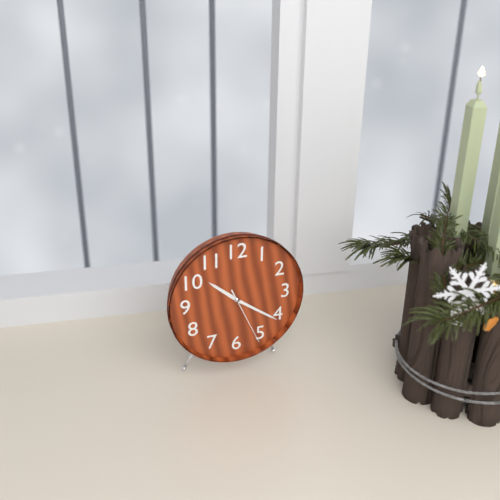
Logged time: 10 h 21 min 26 s
